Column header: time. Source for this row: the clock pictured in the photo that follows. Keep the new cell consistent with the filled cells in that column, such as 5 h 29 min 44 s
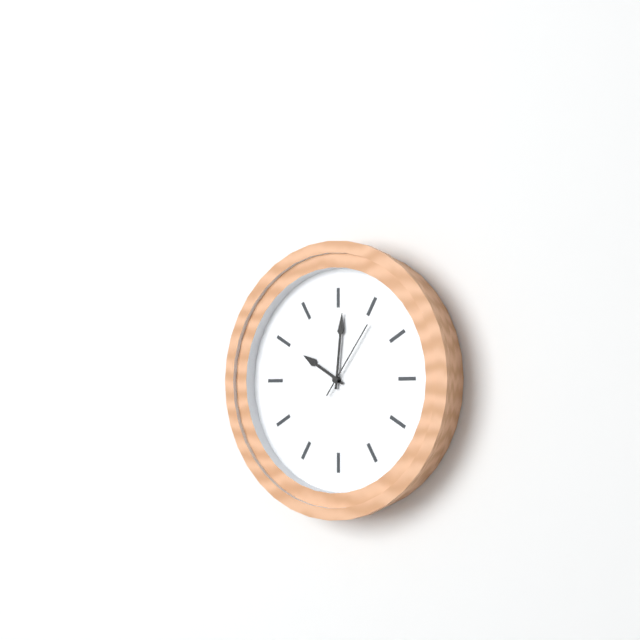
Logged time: 10 h 01 min 06 s
